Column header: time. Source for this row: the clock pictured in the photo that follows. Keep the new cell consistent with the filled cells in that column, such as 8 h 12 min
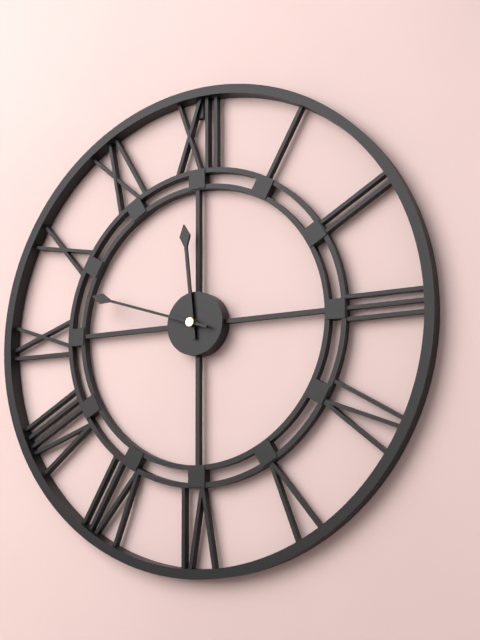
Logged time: 11 h 48 min
